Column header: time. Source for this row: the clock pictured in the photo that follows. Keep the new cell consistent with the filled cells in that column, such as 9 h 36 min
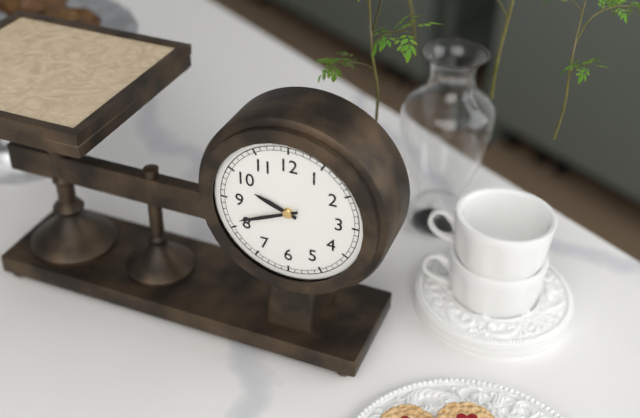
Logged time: 9 h 41 min
